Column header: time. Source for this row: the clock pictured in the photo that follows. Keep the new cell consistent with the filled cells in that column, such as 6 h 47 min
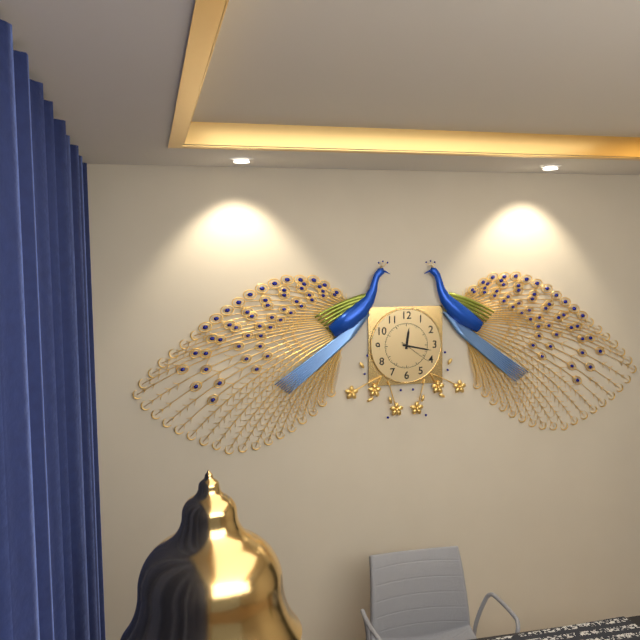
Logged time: 12 h 17 min
